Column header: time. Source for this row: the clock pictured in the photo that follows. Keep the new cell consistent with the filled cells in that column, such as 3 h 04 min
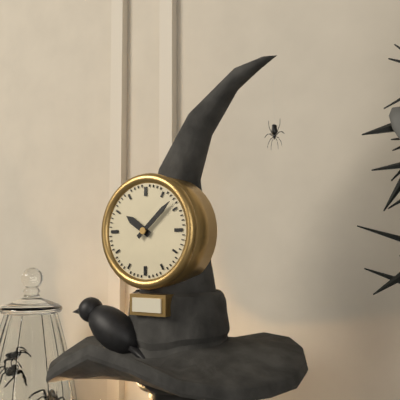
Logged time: 10 h 08 min
